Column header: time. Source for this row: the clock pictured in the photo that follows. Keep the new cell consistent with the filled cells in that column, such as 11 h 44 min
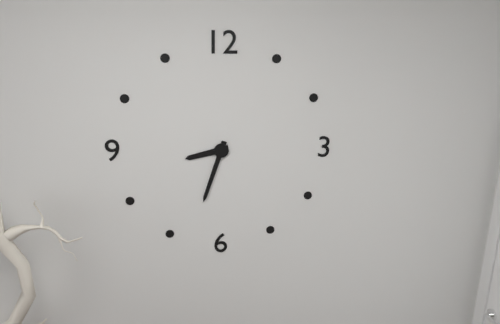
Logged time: 8 h 33 min
